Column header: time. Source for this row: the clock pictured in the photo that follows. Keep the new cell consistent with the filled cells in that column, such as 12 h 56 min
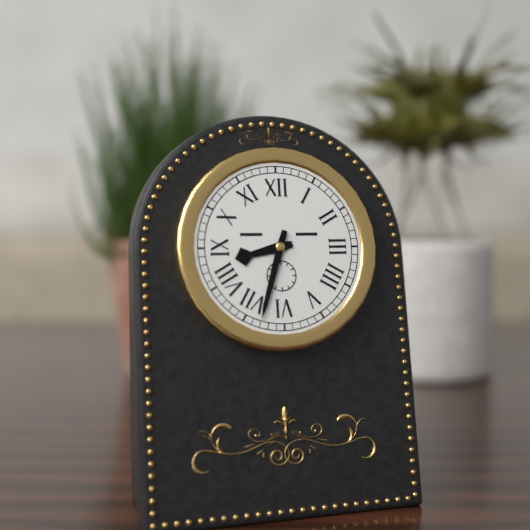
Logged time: 8 h 33 min
